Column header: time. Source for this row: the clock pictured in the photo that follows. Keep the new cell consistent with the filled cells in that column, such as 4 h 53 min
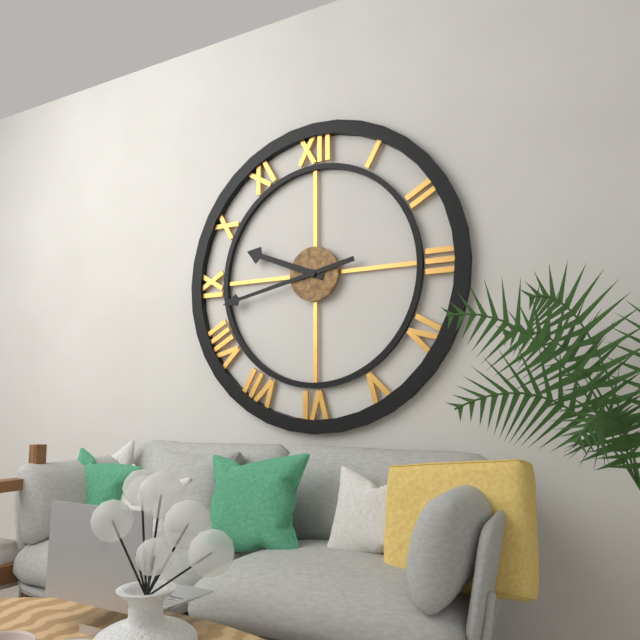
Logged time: 9 h 43 min
